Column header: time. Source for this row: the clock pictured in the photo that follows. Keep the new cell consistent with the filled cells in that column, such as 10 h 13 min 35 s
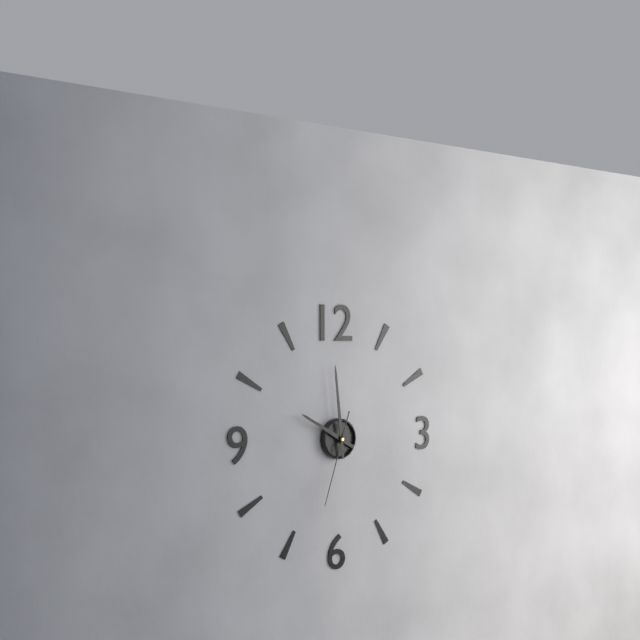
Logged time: 9 h 59 min 33 s
